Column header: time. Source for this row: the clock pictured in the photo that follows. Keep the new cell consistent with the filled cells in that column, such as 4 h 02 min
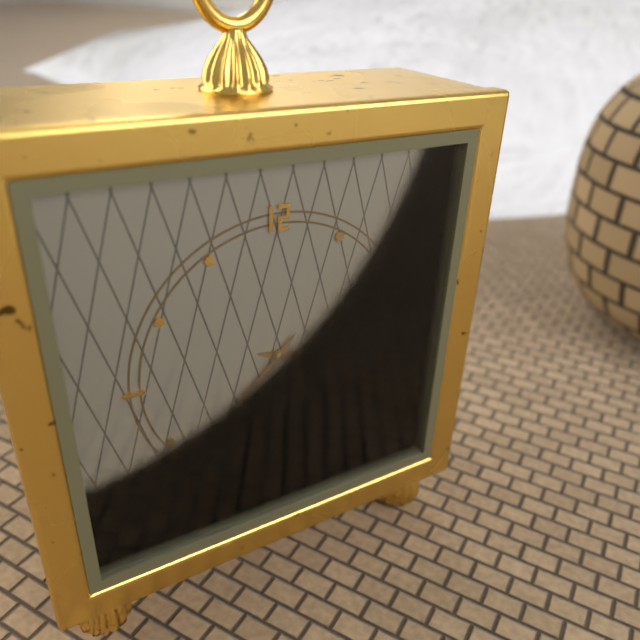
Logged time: 3 h 37 min
